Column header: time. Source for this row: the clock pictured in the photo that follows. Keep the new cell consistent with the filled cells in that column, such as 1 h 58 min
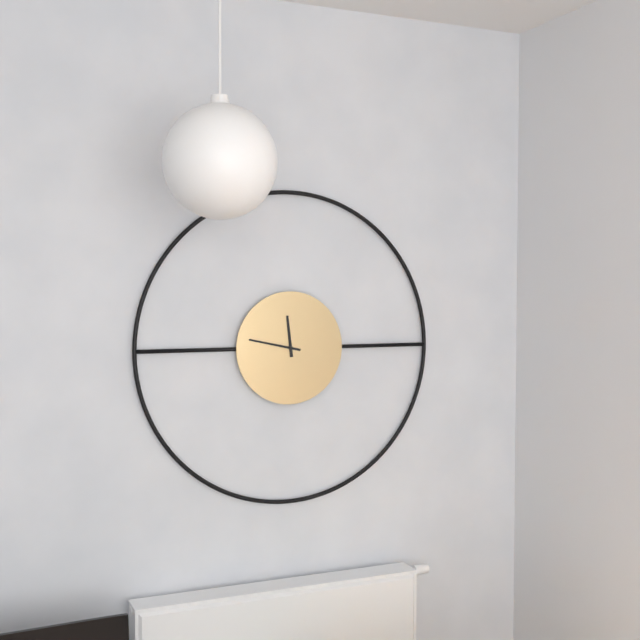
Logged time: 11 h 47 min
